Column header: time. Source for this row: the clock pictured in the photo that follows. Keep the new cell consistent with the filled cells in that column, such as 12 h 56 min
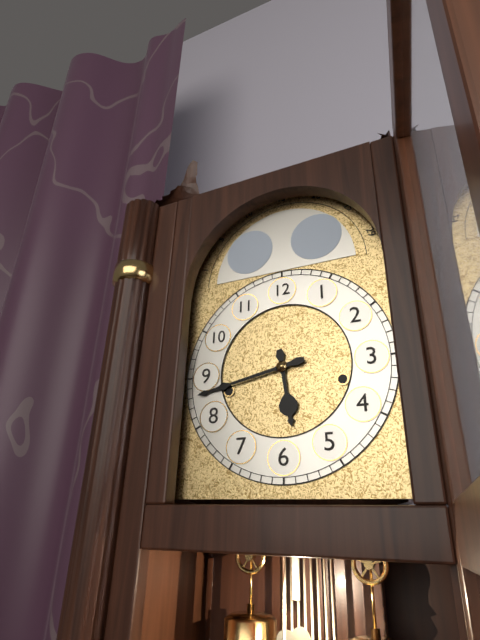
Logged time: 5 h 43 min
